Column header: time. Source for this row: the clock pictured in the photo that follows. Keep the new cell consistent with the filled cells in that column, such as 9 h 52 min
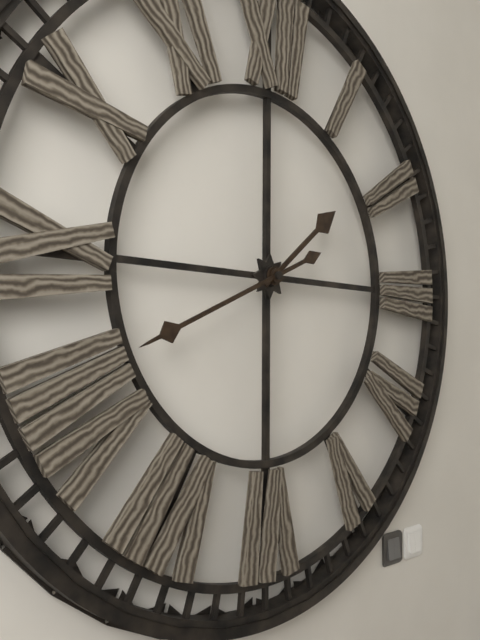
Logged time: 1 h 41 min
